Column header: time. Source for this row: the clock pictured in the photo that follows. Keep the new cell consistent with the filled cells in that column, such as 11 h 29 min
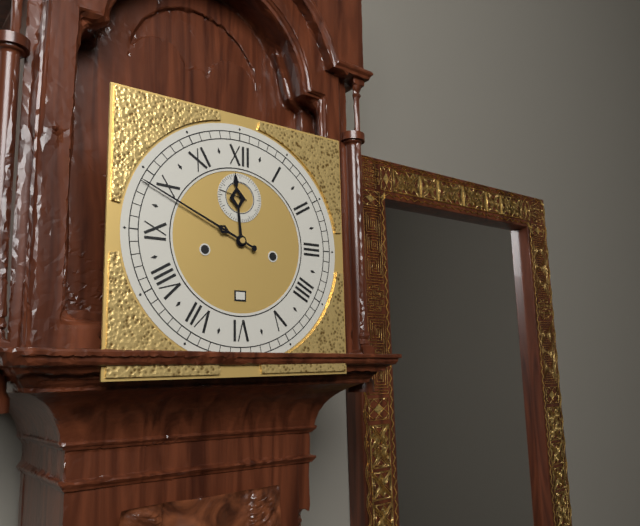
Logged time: 11 h 49 min
